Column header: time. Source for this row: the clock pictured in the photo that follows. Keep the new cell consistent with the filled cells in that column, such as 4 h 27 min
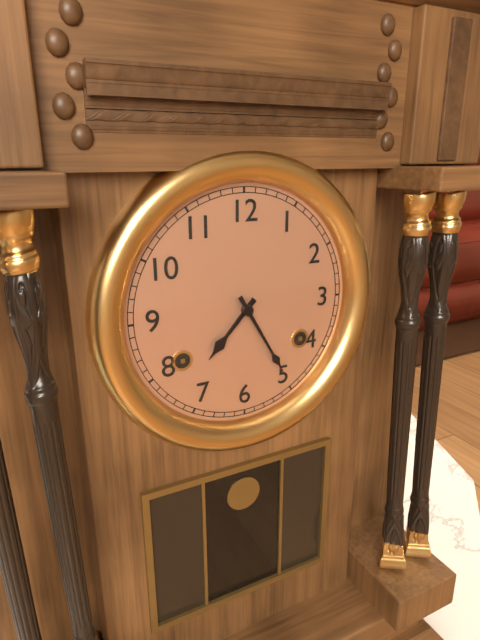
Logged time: 7 h 25 min
